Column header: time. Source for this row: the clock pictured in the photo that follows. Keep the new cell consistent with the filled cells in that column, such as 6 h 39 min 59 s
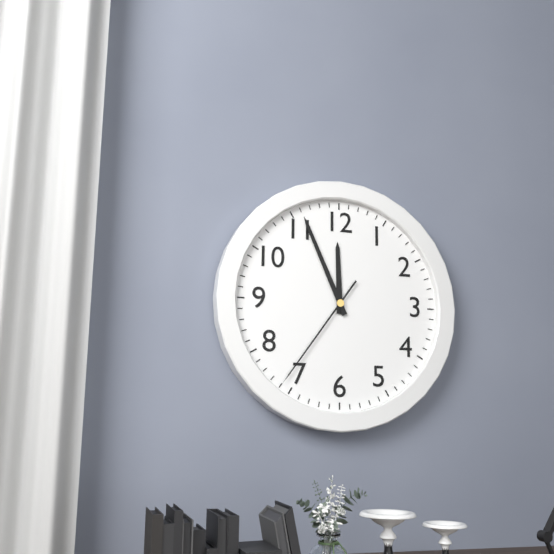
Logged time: 11 h 56 min 36 s
